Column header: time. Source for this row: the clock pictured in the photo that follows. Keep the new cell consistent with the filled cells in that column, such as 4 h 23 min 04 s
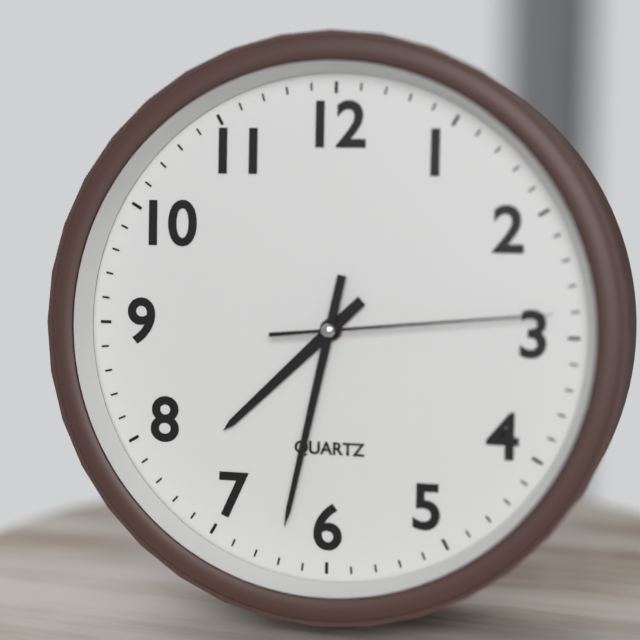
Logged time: 7 h 32 min 14 s
